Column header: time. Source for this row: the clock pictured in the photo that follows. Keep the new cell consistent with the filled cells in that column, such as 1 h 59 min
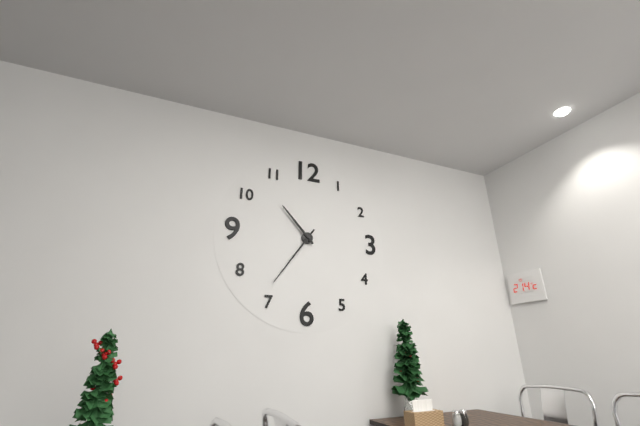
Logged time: 10 h 36 min
